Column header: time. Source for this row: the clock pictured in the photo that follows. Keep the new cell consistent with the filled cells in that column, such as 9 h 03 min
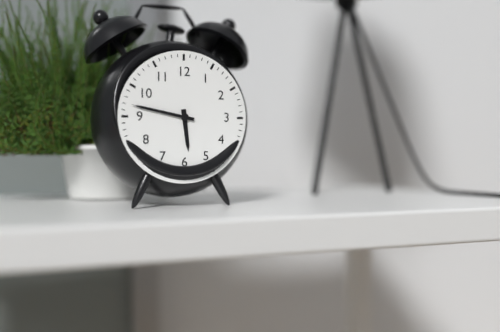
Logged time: 5 h 47 min
